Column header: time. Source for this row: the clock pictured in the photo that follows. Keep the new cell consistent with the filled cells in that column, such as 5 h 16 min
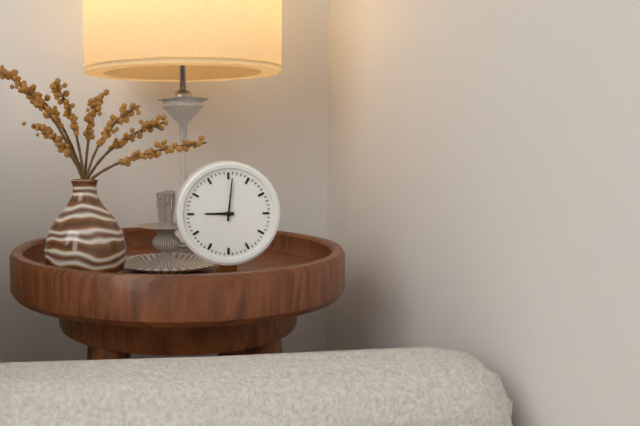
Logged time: 9 h 01 min
